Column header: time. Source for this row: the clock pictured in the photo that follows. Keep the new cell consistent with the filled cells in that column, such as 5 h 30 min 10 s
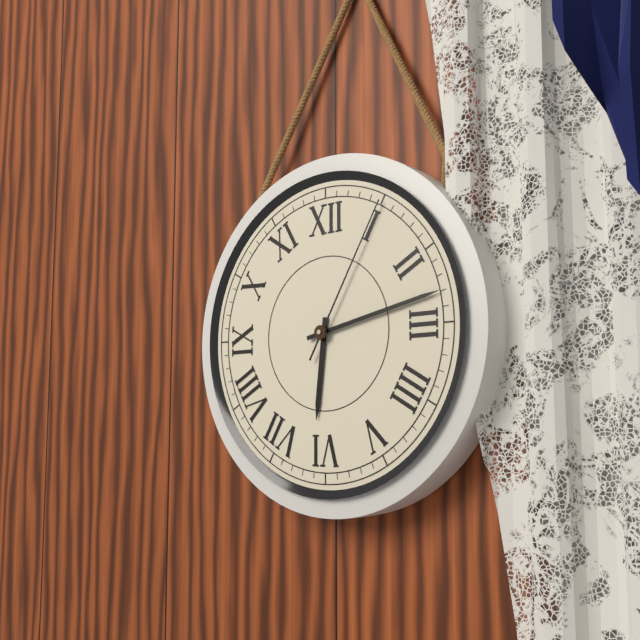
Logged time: 6 h 13 min 05 s
